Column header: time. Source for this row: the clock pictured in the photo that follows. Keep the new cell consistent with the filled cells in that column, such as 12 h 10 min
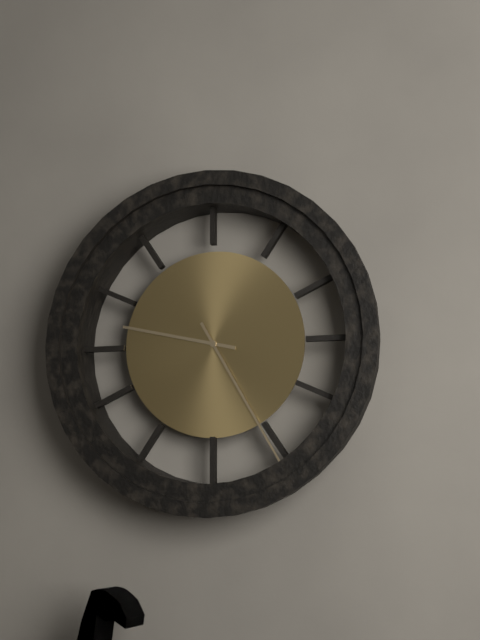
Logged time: 9 h 25 min
